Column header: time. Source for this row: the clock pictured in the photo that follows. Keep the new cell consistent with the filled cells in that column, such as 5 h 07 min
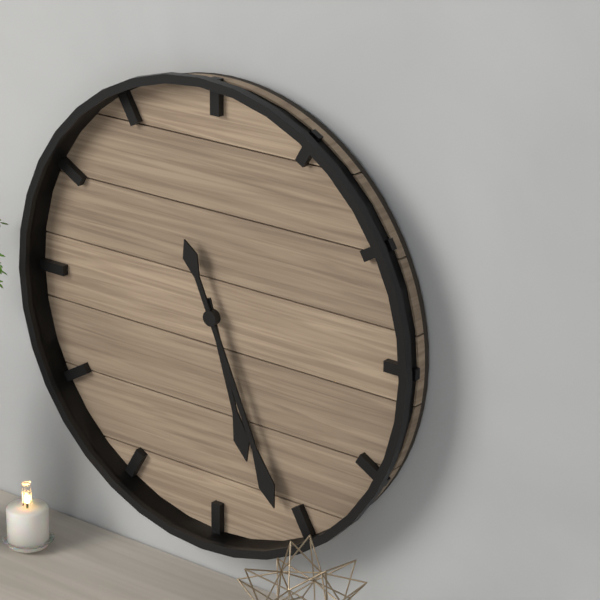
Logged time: 5 h 26 min
